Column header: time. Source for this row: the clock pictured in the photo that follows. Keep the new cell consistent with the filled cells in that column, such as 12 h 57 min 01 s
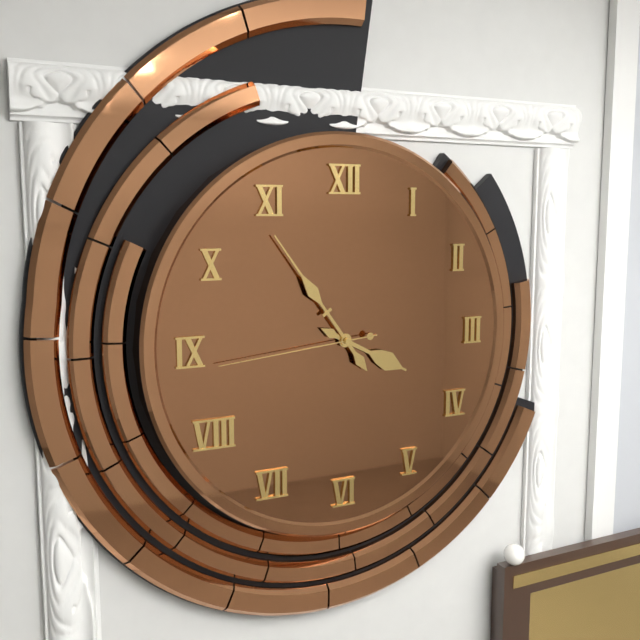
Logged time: 3 h 54 min 44 s
